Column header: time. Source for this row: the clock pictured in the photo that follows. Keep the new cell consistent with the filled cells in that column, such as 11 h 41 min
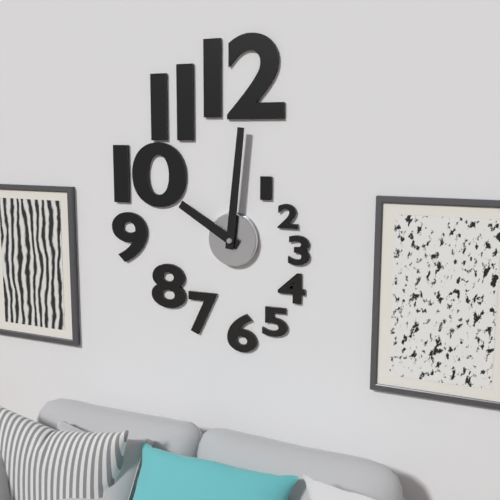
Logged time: 10 h 01 min
